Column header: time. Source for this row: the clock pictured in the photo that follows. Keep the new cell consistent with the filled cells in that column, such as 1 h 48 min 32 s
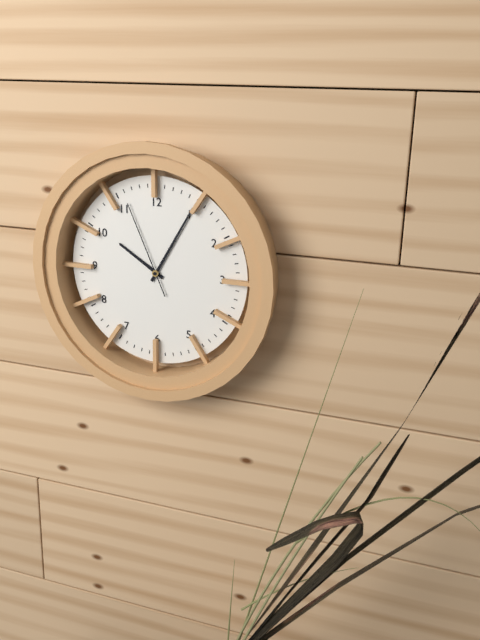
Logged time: 10 h 05 min 56 s
